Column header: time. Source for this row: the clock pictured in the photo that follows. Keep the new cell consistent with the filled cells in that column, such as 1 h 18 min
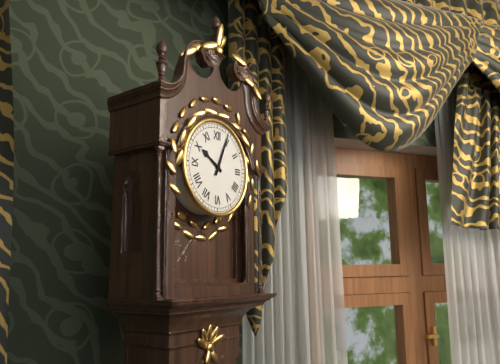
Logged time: 10 h 04 min
